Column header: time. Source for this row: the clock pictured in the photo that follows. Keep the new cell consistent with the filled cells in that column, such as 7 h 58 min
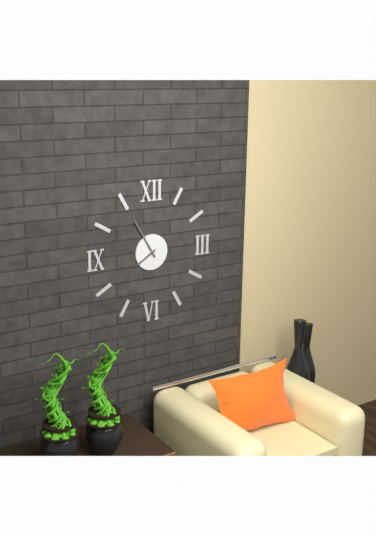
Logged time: 7 h 55 min
